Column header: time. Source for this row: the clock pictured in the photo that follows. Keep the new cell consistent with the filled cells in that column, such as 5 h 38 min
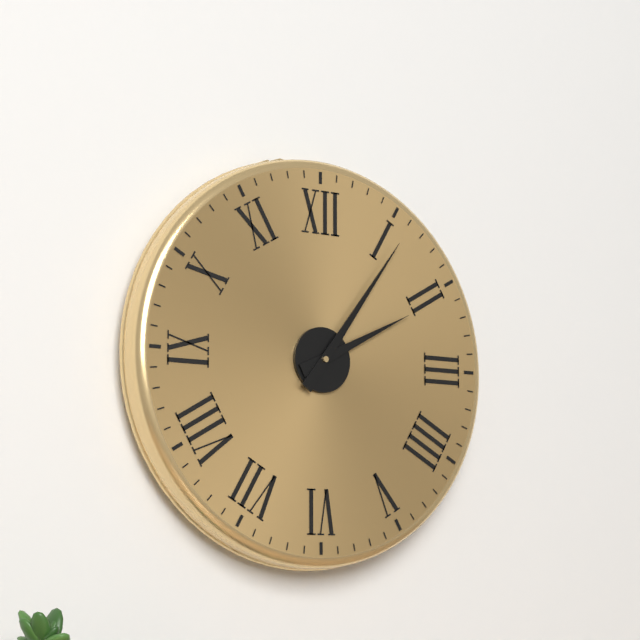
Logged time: 2 h 06 min
